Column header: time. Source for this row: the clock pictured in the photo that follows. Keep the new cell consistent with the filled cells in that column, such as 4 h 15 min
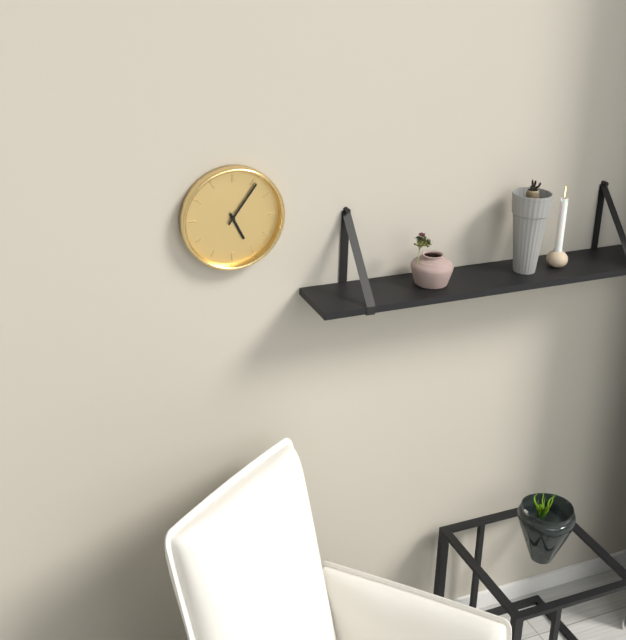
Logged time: 5 h 06 min
